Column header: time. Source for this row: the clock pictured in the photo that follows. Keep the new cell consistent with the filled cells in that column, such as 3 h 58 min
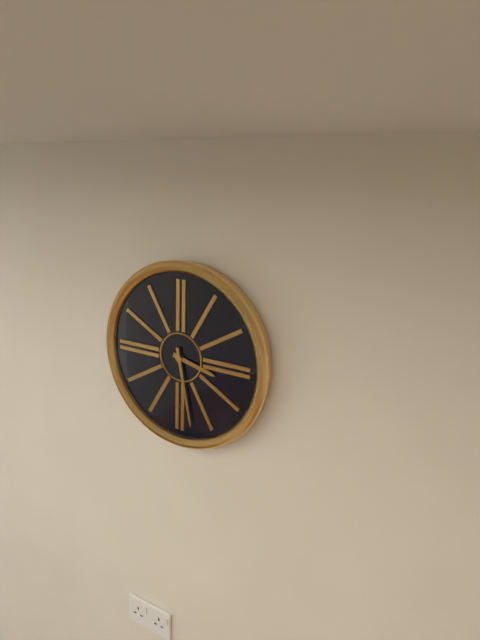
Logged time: 3 h 28 min
